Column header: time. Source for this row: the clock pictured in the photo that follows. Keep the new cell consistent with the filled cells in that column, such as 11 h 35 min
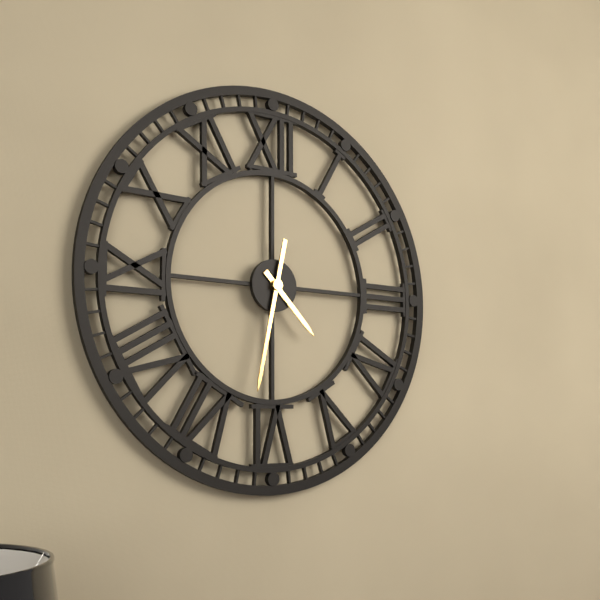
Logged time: 4 h 32 min
